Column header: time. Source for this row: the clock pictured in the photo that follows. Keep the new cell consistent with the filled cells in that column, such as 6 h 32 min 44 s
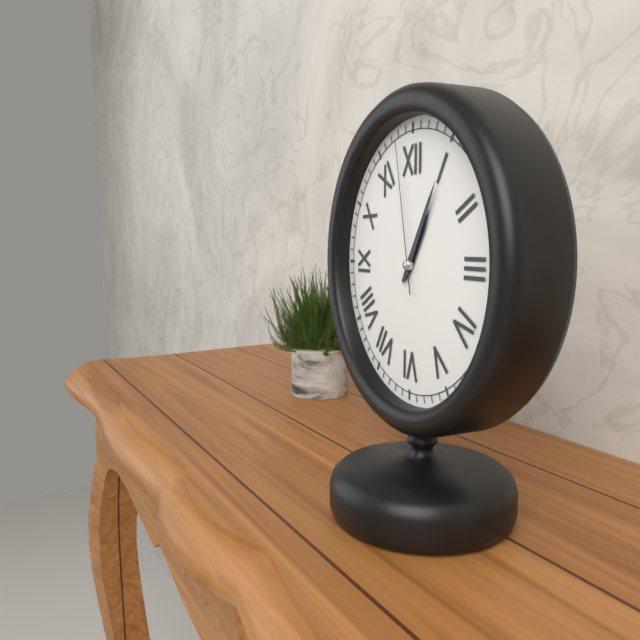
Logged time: 1 h 05 min 58 s
